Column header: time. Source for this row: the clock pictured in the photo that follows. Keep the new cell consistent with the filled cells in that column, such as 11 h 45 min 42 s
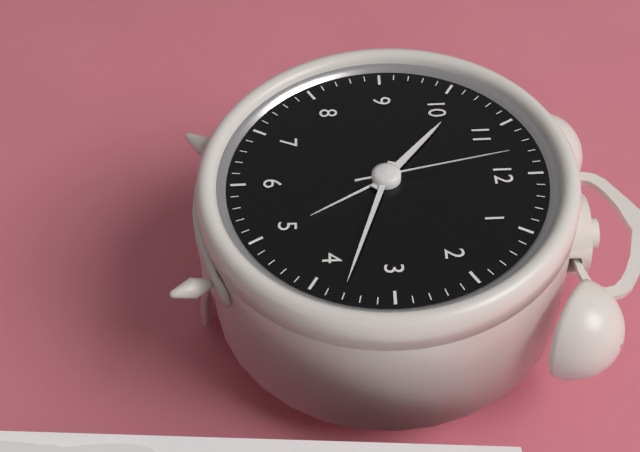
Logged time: 10 h 18 min 58 s
